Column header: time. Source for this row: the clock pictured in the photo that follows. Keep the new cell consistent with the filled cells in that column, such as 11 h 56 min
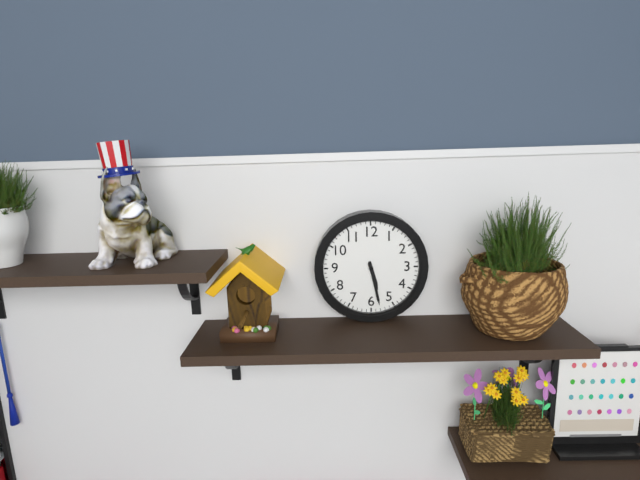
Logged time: 5 h 28 min
